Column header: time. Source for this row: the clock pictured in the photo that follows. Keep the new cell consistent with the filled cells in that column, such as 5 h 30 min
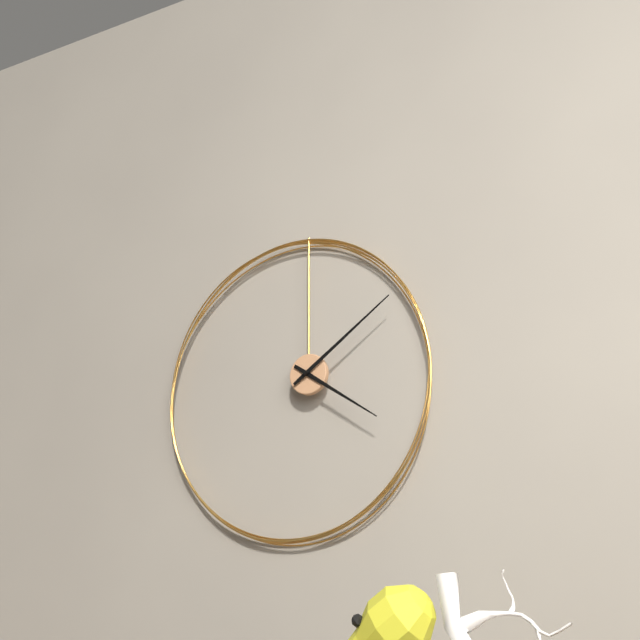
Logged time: 4 h 09 min
